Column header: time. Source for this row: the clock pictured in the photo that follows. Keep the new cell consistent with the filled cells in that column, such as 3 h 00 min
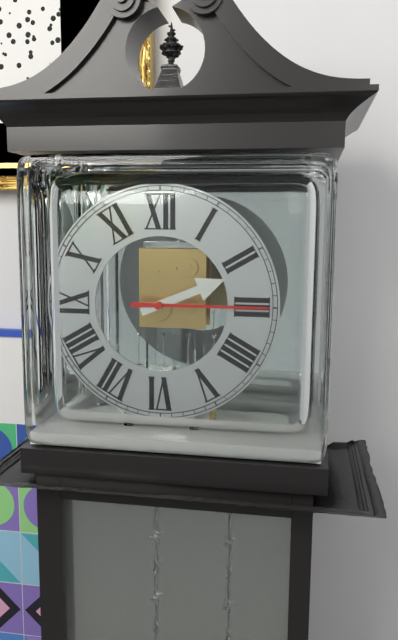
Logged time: 2 h 15 min
